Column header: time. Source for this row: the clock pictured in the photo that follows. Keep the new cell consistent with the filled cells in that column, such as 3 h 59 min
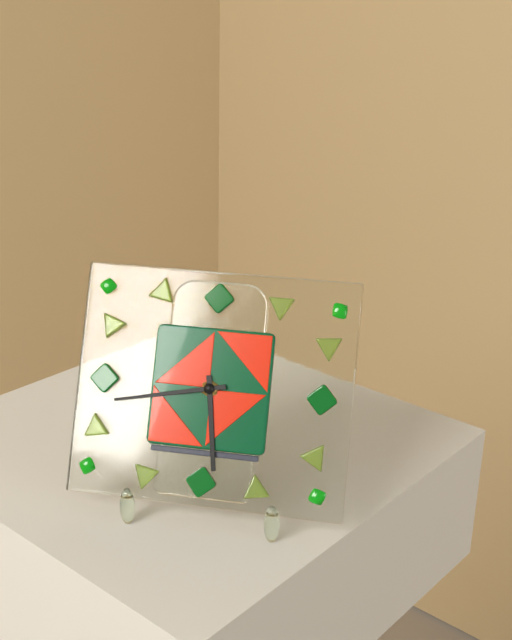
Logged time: 5 h 43 min
